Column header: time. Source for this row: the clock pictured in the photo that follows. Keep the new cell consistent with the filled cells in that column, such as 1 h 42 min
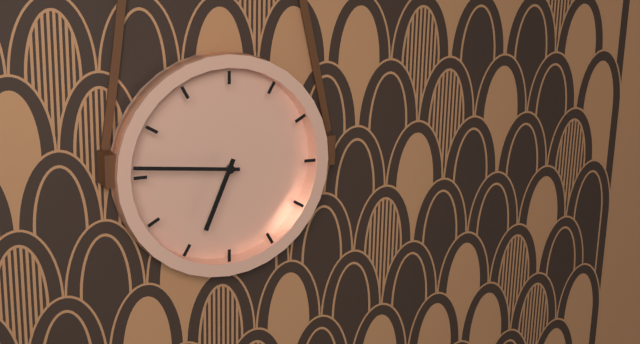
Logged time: 6 h 46 min
